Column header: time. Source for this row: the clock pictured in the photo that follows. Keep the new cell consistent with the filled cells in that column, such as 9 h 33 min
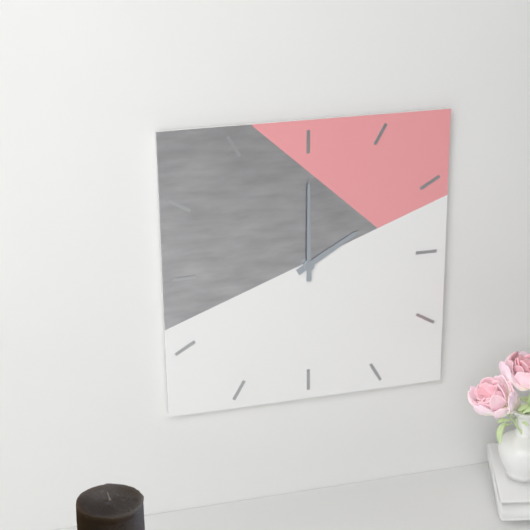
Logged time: 2 h 00 min
